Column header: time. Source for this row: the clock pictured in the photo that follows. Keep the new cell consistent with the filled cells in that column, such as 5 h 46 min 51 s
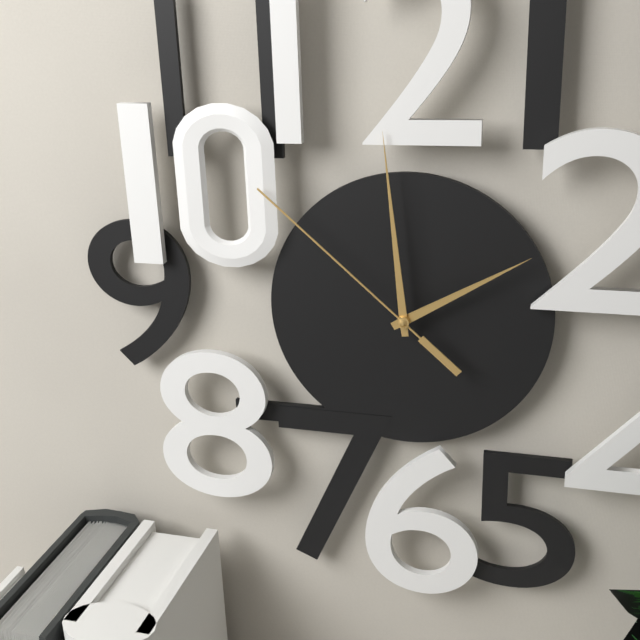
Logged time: 1 h 59 min 52 s
